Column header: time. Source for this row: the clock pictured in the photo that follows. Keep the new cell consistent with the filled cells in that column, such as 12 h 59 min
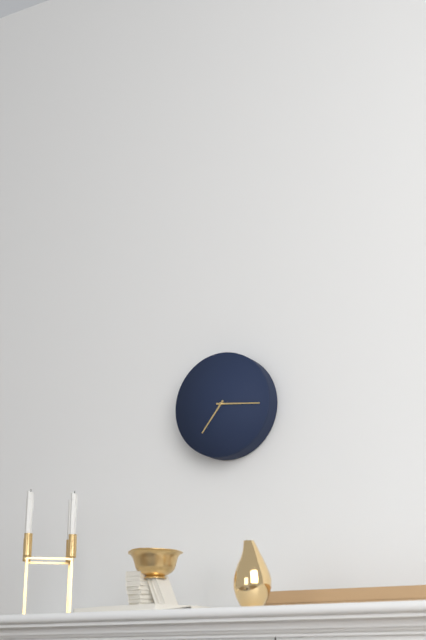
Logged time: 7 h 16 min
